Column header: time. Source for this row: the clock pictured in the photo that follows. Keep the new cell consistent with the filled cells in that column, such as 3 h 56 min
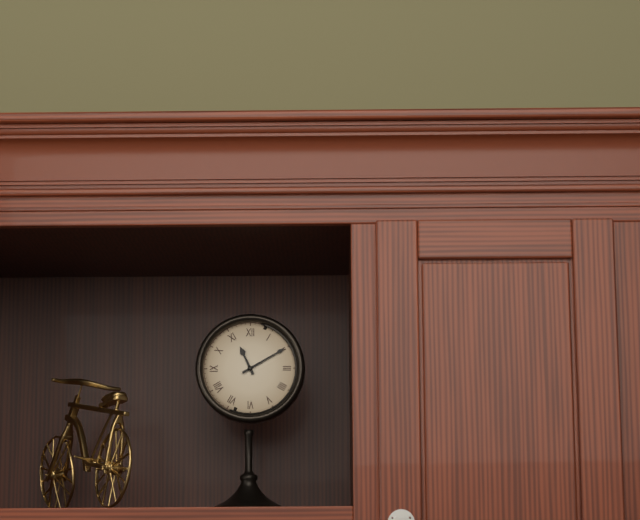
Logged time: 11 h 10 min
